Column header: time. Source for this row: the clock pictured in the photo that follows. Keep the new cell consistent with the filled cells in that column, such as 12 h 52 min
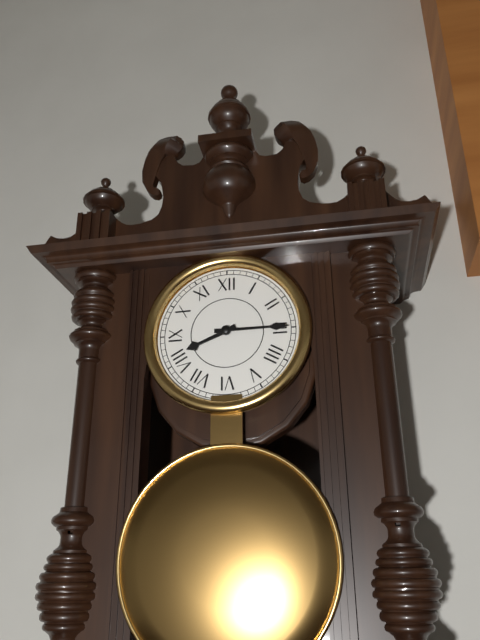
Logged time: 8 h 15 min
